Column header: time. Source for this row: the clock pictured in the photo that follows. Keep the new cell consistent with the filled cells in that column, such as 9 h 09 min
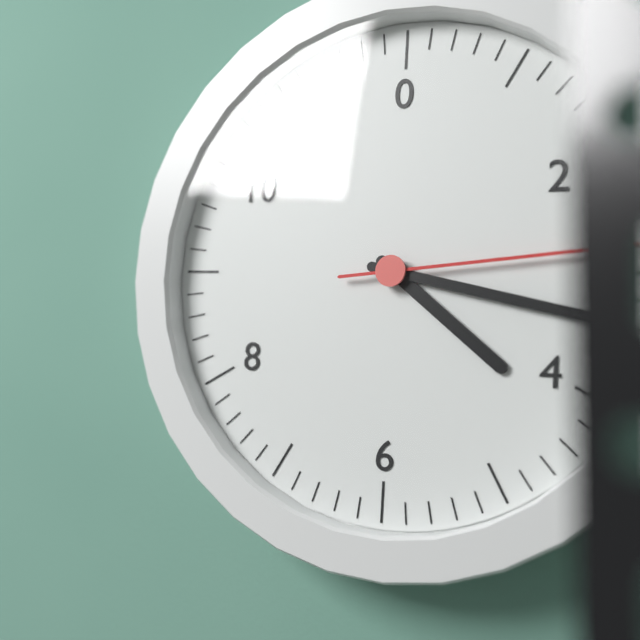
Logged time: 4 h 17 min
